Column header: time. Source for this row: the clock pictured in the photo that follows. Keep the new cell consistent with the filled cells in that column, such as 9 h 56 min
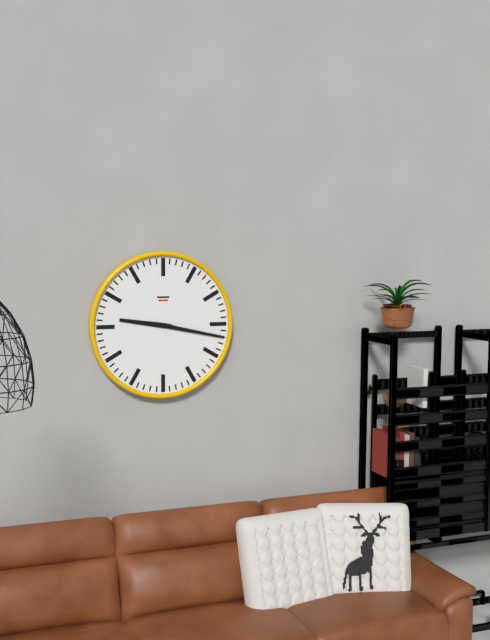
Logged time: 9 h 17 min
